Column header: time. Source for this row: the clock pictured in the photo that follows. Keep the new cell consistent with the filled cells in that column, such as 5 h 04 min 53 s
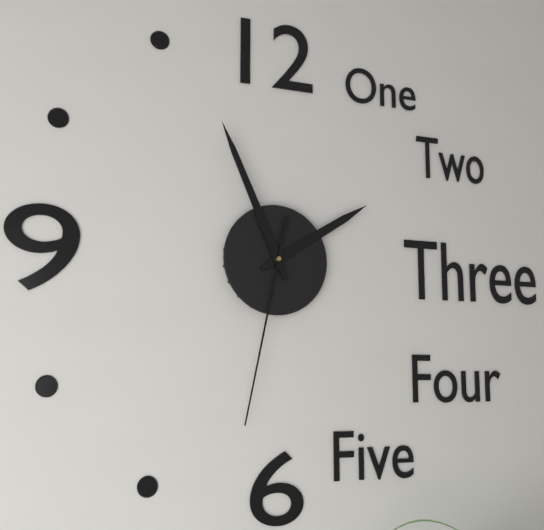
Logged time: 1 h 56 min 32 s
